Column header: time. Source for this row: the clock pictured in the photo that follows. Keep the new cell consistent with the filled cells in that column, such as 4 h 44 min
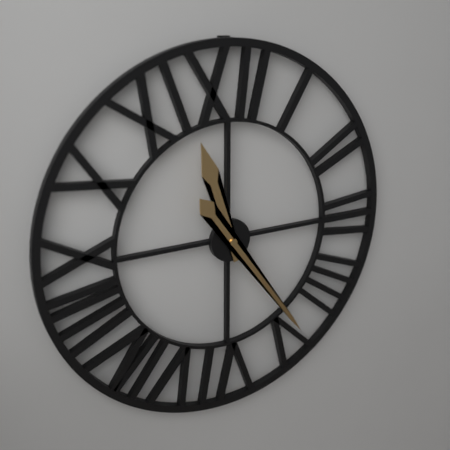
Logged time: 11 h 24 min
